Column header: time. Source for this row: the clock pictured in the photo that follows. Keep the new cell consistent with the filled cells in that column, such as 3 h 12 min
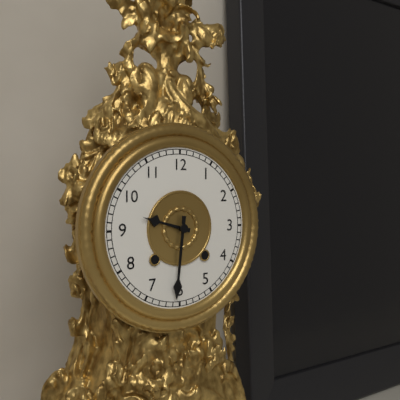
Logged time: 9 h 31 min
